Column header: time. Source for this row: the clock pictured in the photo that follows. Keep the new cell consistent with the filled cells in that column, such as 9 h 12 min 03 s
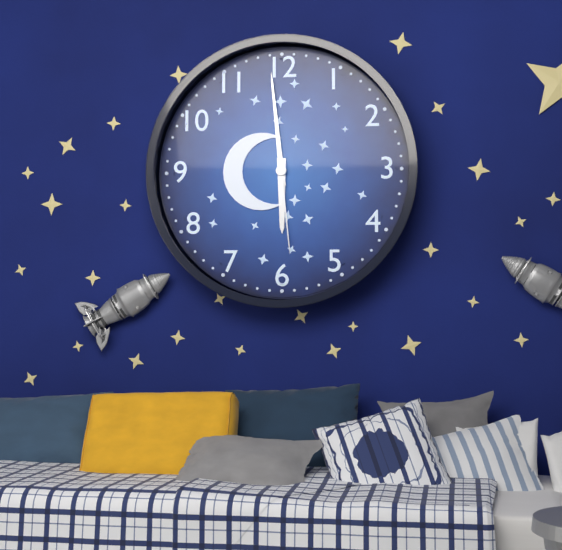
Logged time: 5 h 59 min 29 s
